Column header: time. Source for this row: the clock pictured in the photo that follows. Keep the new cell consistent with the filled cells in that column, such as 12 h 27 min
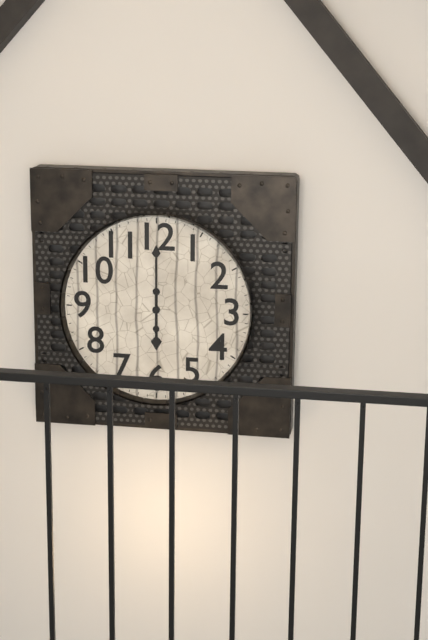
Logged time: 6 h 00 min
